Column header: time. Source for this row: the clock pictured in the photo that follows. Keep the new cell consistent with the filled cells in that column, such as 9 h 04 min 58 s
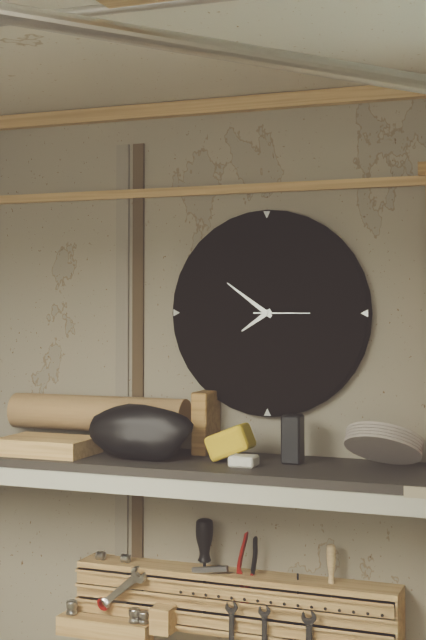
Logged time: 7 h 51 min 15 s
